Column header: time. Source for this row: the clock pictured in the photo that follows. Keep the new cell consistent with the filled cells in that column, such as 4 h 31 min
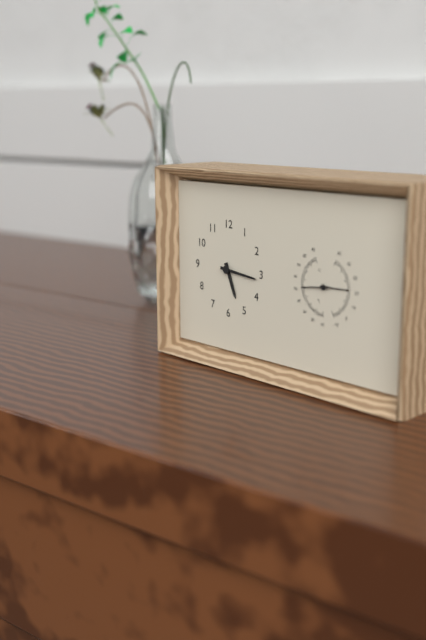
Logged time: 5 h 16 min
